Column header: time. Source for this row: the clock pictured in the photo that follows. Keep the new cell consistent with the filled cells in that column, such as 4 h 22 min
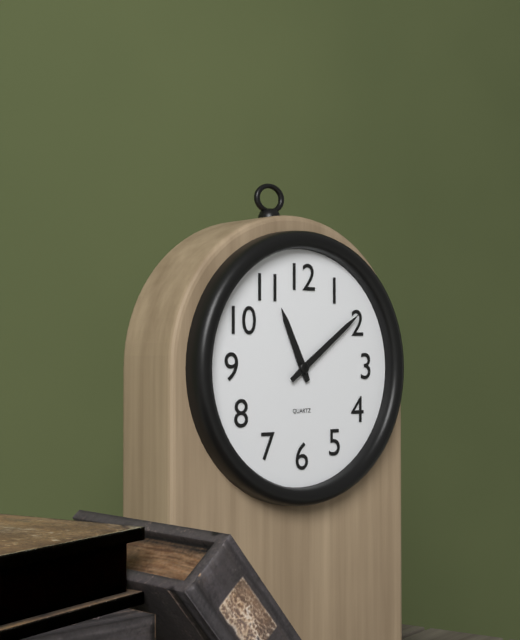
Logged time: 11 h 09 min
